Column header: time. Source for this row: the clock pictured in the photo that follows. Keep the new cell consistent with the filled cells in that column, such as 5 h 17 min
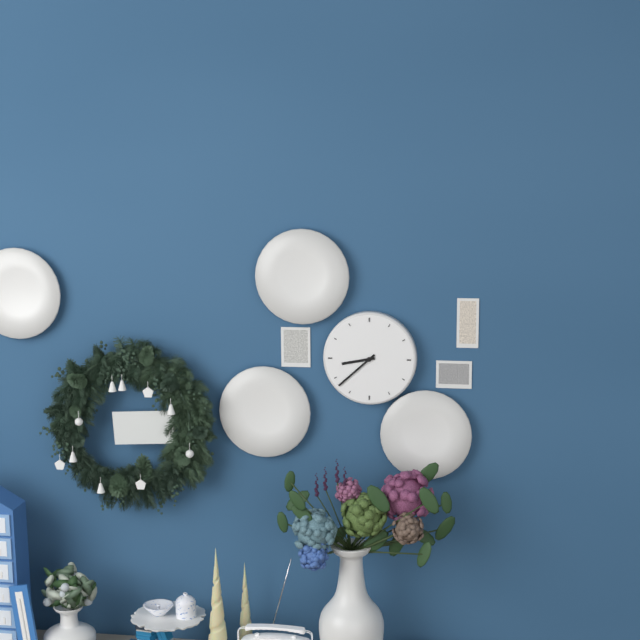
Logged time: 8 h 38 min
